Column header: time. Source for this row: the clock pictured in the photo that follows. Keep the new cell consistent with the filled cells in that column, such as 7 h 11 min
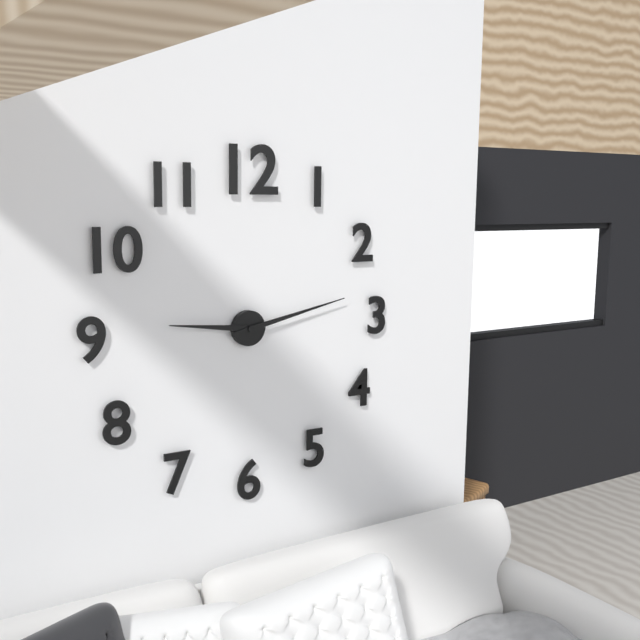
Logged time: 9 h 13 min
